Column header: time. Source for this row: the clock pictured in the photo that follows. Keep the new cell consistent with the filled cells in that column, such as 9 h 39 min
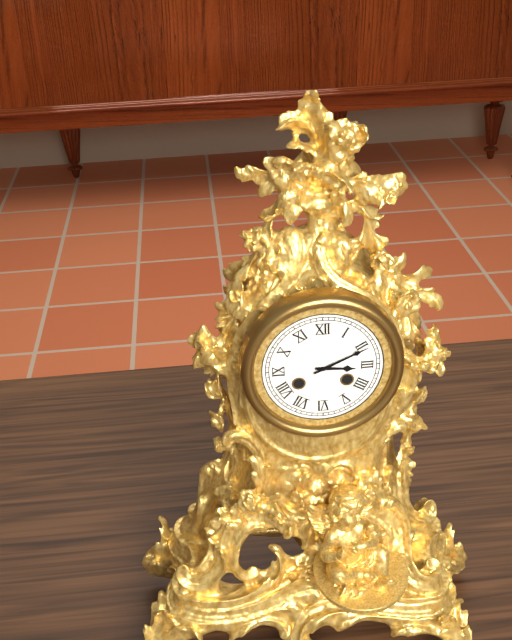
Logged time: 3 h 11 min
